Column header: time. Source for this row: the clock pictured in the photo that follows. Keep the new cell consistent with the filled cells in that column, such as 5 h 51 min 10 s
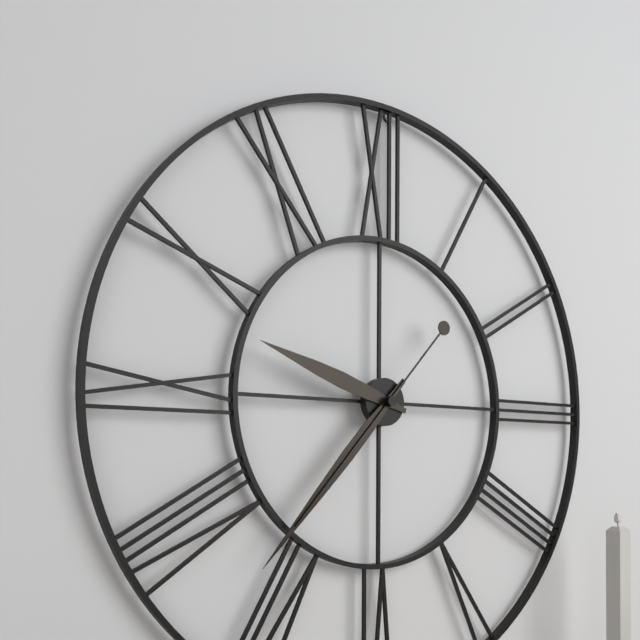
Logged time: 9 h 37 min 37 s
